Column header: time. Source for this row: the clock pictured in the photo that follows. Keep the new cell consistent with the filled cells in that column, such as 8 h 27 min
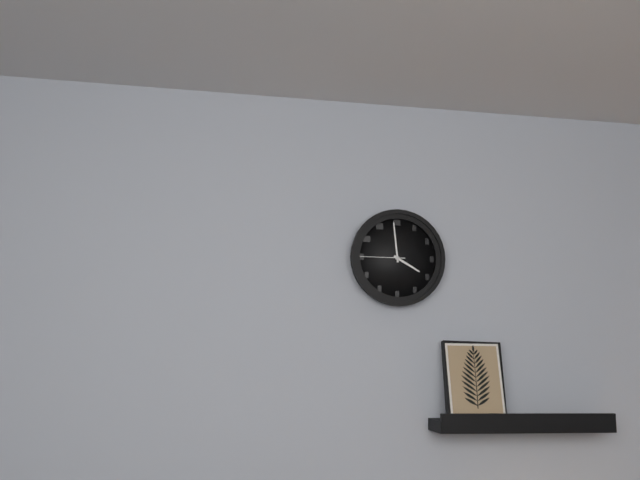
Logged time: 3 h 59 min
